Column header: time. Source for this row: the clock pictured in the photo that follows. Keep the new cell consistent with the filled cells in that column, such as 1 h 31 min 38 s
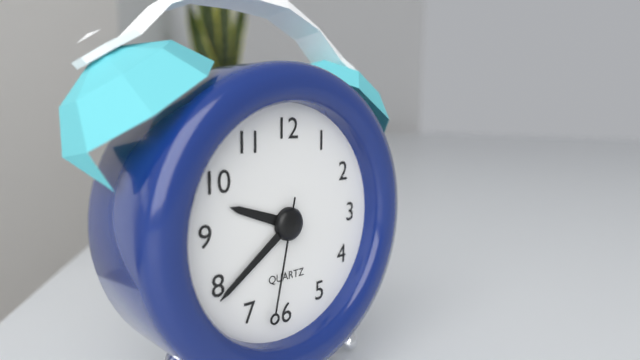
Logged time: 9 h 39 min 32 s
